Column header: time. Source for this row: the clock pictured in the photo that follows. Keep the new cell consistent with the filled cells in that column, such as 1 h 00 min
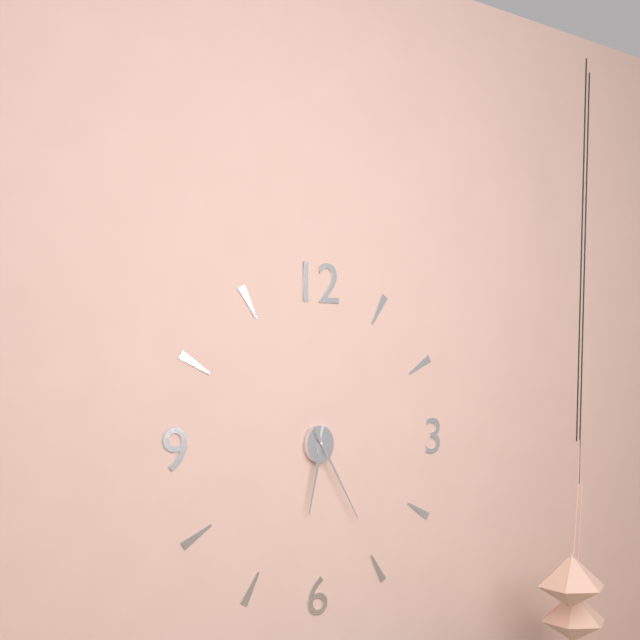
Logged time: 6 h 25 min
